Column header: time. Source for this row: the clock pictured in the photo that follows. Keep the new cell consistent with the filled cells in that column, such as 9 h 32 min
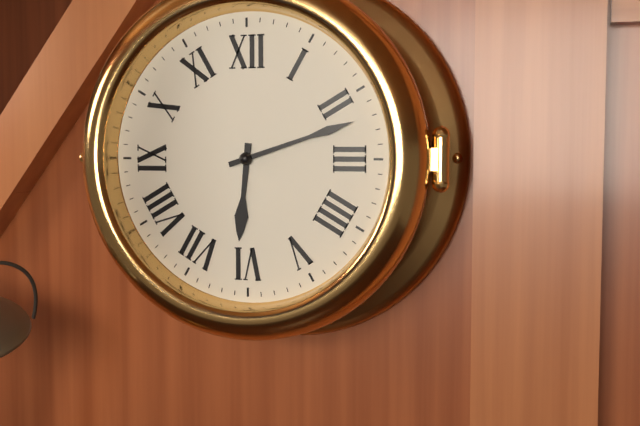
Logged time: 6 h 12 min
